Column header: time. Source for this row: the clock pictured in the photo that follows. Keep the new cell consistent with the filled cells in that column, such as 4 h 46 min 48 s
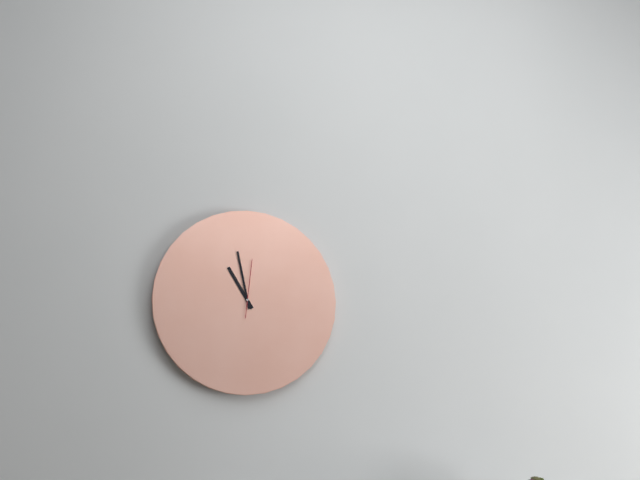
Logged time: 10 h 58 min 01 s
